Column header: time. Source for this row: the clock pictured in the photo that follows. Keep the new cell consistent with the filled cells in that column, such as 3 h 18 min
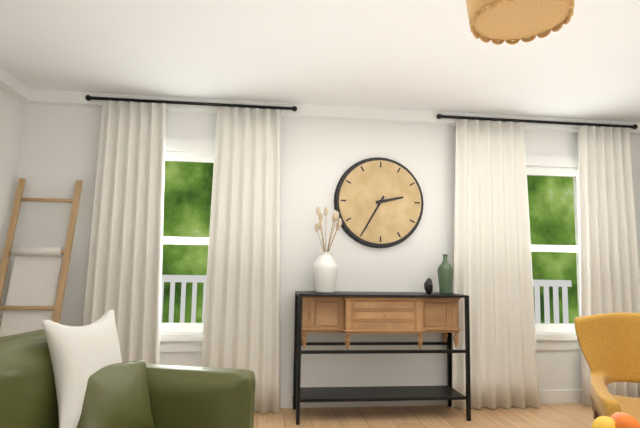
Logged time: 2 h 35 min
